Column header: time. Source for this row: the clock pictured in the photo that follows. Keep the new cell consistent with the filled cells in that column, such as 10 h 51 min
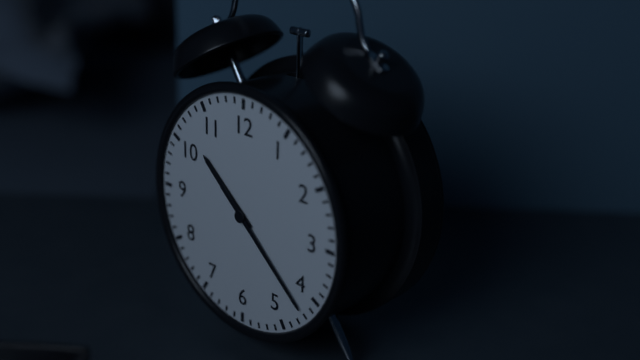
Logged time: 10 h 22 min
